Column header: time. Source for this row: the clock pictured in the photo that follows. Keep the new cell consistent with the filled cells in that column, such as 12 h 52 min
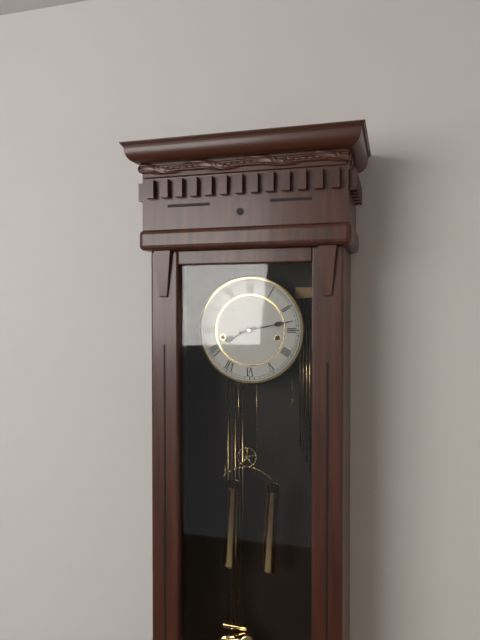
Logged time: 8 h 13 min
